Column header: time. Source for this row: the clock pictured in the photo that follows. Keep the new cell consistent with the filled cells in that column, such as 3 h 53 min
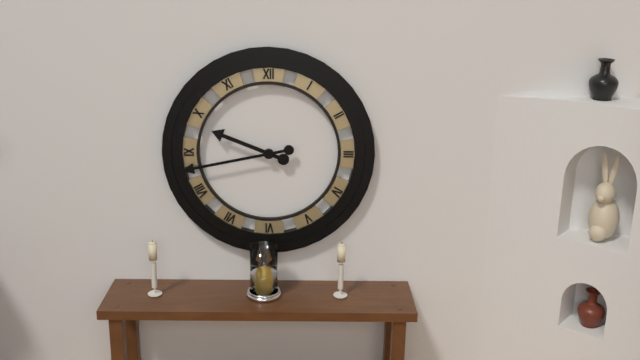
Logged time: 9 h 43 min
